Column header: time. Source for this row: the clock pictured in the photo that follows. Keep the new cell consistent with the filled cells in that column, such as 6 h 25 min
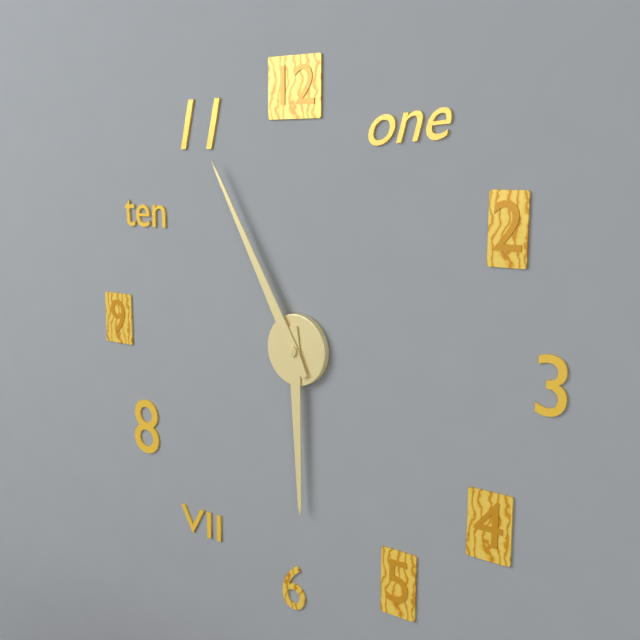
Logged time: 5 h 55 min
